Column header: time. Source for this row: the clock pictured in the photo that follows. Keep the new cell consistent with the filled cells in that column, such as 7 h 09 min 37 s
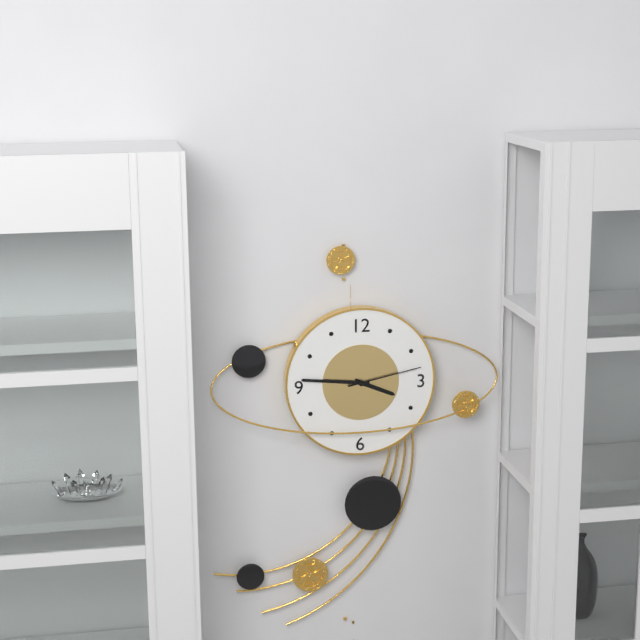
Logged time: 3 h 46 min 13 s
